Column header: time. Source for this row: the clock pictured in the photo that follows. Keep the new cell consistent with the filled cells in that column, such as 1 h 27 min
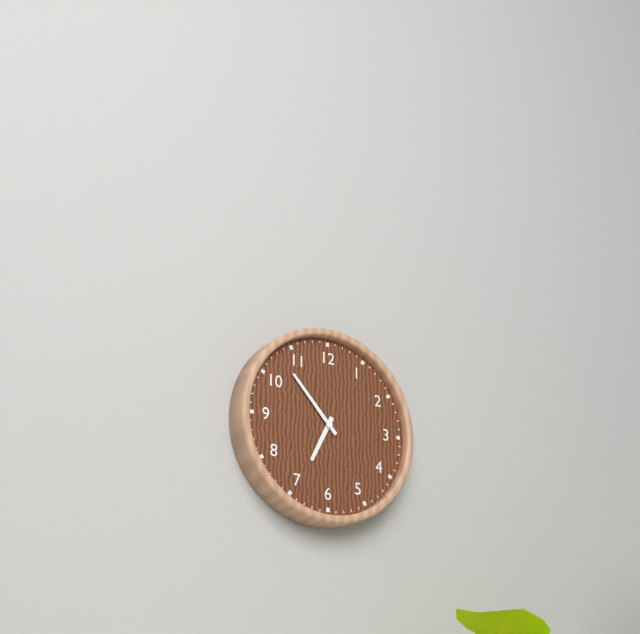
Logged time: 6 h 53 min
